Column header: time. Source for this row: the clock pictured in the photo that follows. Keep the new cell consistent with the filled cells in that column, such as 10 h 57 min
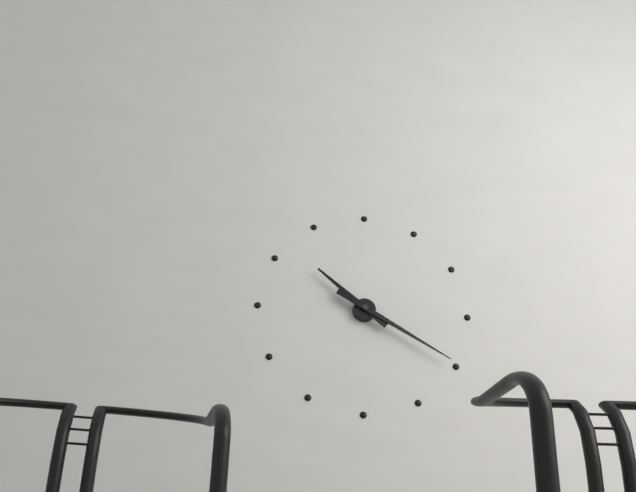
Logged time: 10 h 20 min
